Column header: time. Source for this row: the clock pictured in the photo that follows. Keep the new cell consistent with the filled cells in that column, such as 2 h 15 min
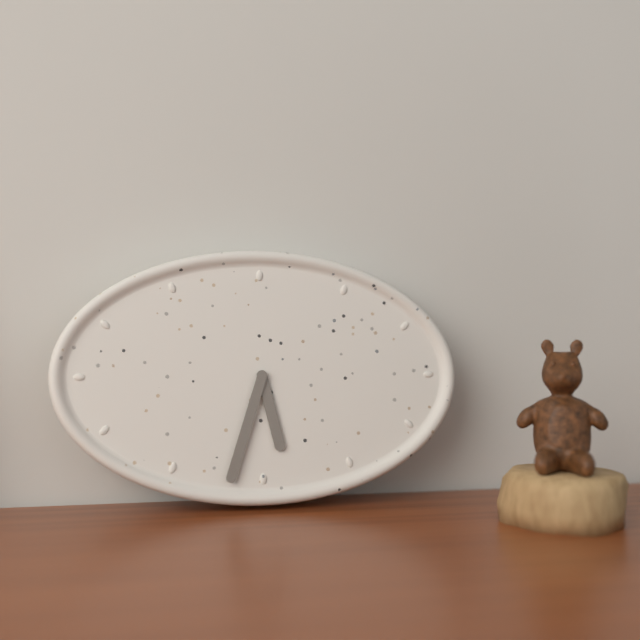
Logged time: 5 h 33 min
